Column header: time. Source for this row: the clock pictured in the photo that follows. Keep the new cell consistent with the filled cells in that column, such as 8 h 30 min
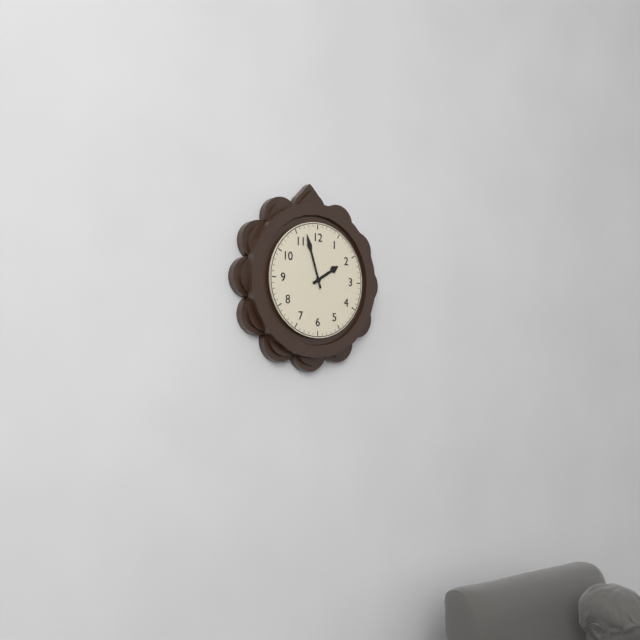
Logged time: 1 h 57 min
